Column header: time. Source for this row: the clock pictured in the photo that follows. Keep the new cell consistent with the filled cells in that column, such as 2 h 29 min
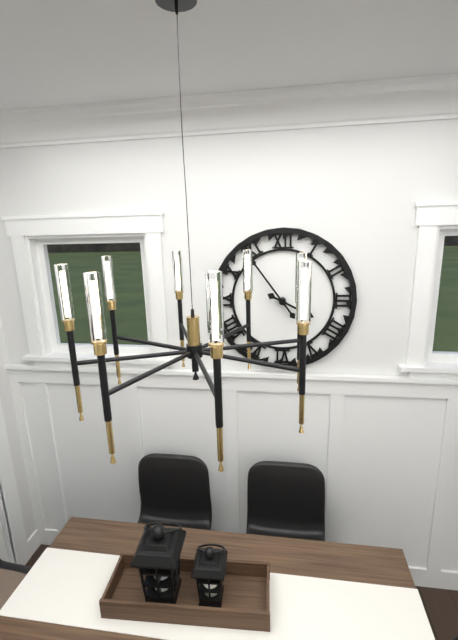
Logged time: 3 h 54 min
